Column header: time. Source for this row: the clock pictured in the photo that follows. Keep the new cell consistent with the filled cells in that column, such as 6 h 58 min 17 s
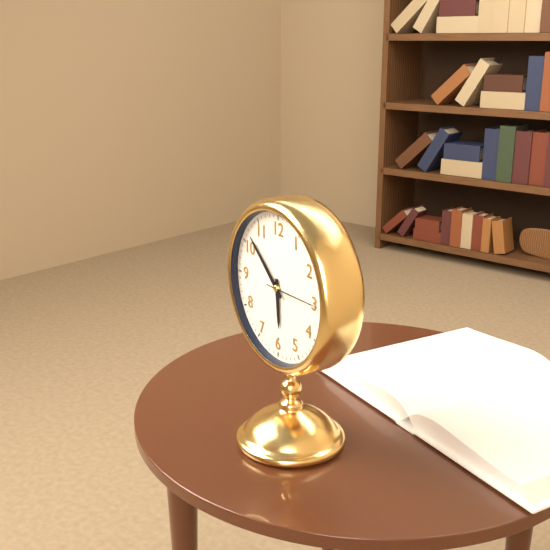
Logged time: 5 h 52 min 15 s
